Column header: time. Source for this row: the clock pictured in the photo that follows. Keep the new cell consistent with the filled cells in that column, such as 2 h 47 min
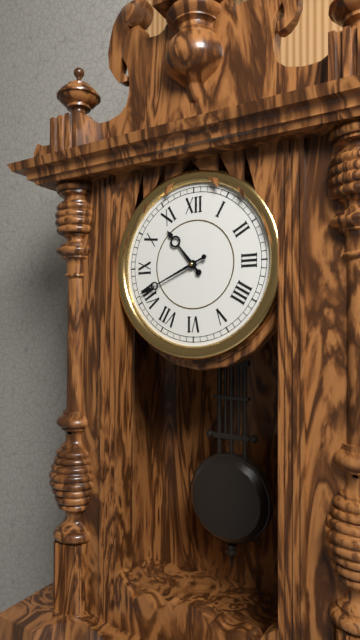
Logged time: 10 h 41 min
